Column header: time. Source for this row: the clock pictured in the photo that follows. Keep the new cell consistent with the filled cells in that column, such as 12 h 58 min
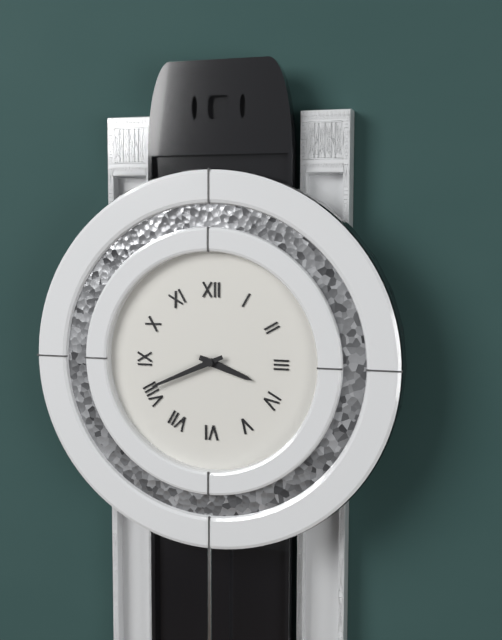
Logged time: 3 h 41 min
